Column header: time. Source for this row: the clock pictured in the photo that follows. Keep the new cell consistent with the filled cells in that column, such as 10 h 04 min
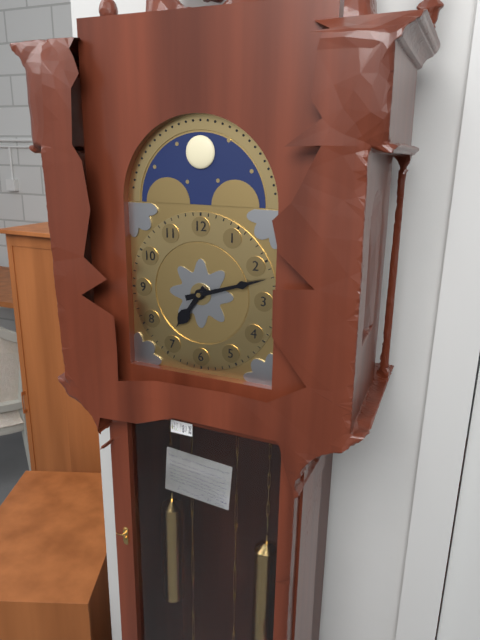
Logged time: 7 h 12 min
